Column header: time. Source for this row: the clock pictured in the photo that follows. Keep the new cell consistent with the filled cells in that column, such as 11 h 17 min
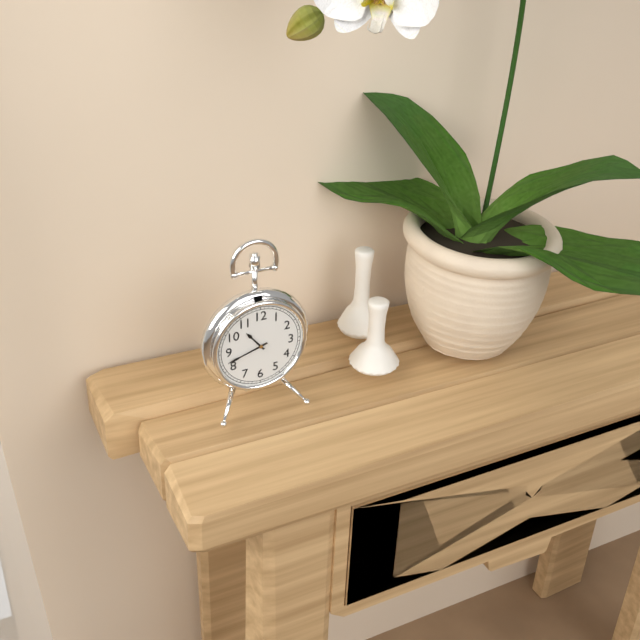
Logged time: 10 h 42 min
